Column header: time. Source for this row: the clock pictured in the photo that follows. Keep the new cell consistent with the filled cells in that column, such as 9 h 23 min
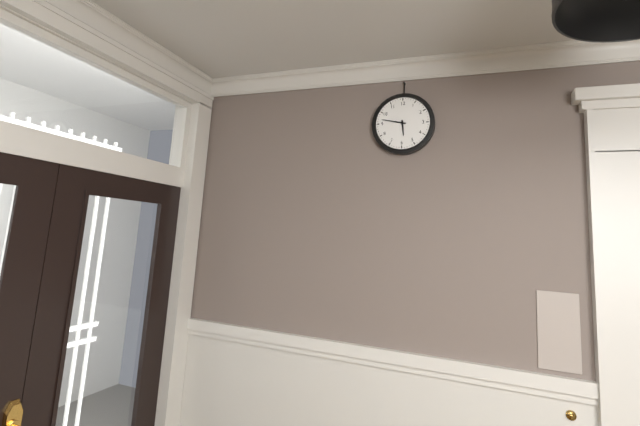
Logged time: 5 h 47 min
